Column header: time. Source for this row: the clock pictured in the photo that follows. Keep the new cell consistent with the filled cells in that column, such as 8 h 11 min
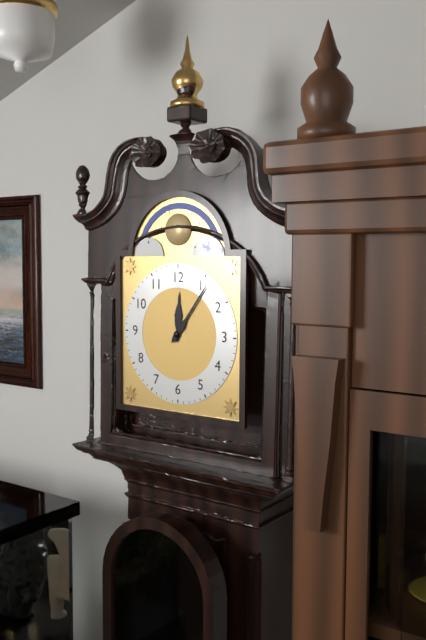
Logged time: 12 h 06 min
